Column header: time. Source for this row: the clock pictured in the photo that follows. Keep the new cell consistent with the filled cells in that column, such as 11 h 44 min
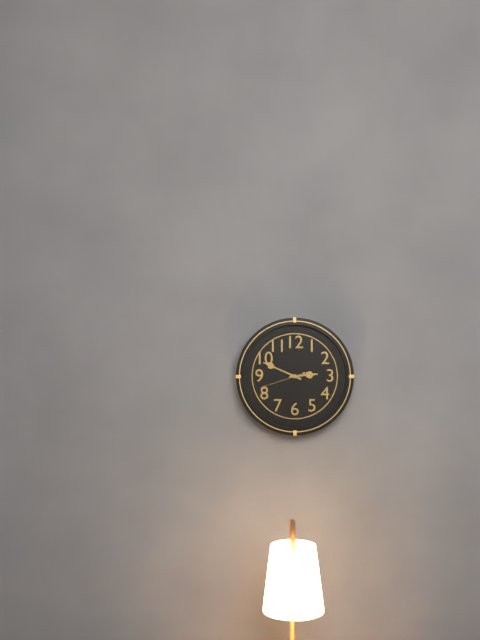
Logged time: 2 h 49 min
